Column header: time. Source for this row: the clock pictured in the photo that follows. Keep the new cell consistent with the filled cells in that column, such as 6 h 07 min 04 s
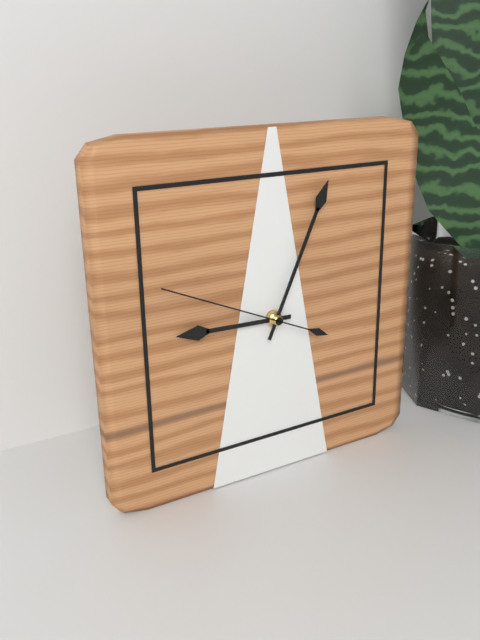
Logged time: 9 h 04 min 49 s
